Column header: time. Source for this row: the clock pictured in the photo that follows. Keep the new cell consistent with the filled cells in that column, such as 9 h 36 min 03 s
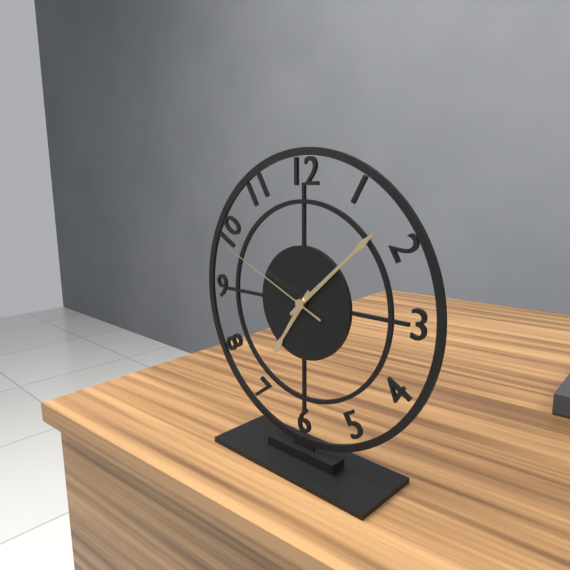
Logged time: 7 h 08 min 49 s
